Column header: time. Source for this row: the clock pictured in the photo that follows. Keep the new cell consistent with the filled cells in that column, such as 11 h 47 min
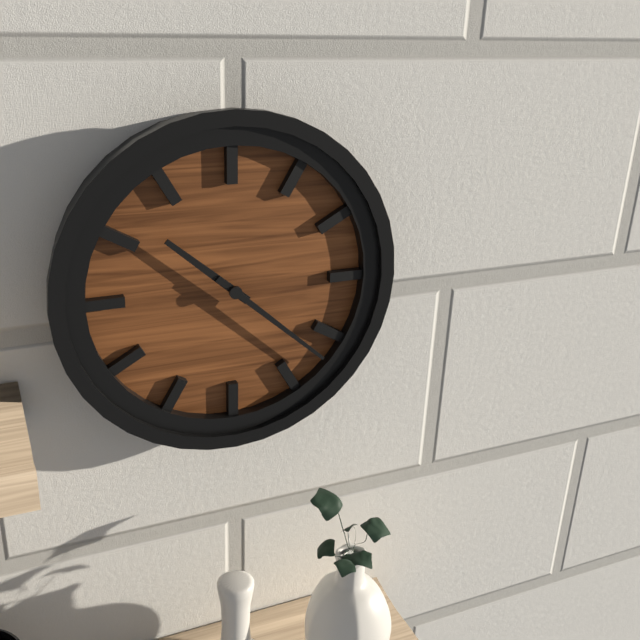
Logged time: 10 h 22 min
